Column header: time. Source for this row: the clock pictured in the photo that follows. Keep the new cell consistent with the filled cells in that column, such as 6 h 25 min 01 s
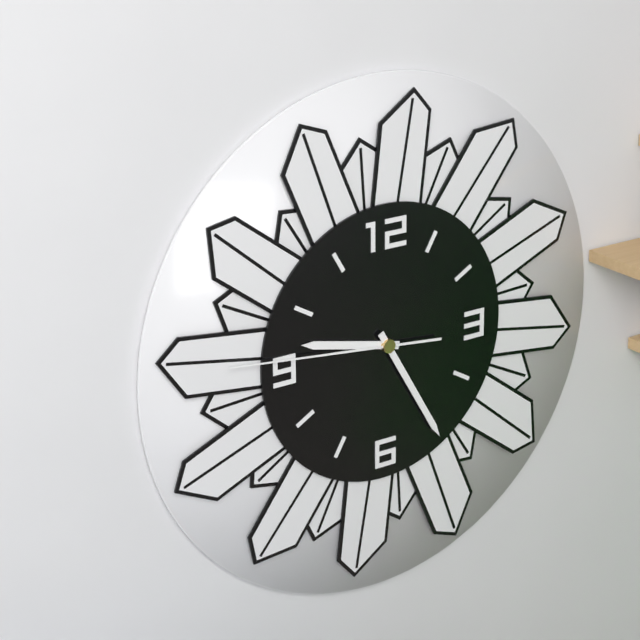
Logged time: 9 h 25 min 46 s
